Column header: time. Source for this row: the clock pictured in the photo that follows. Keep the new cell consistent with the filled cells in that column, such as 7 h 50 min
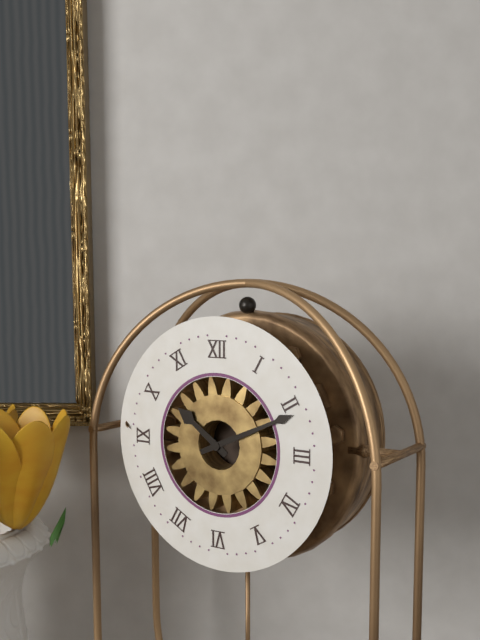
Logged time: 10 h 11 min
